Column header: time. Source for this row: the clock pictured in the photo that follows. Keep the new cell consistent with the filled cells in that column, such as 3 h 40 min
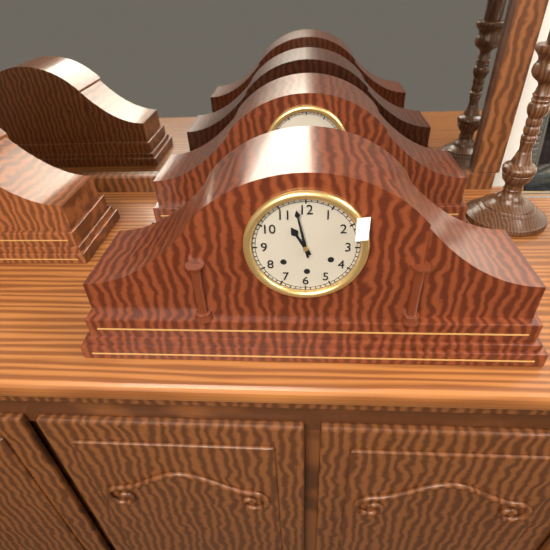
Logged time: 10 h 58 min
